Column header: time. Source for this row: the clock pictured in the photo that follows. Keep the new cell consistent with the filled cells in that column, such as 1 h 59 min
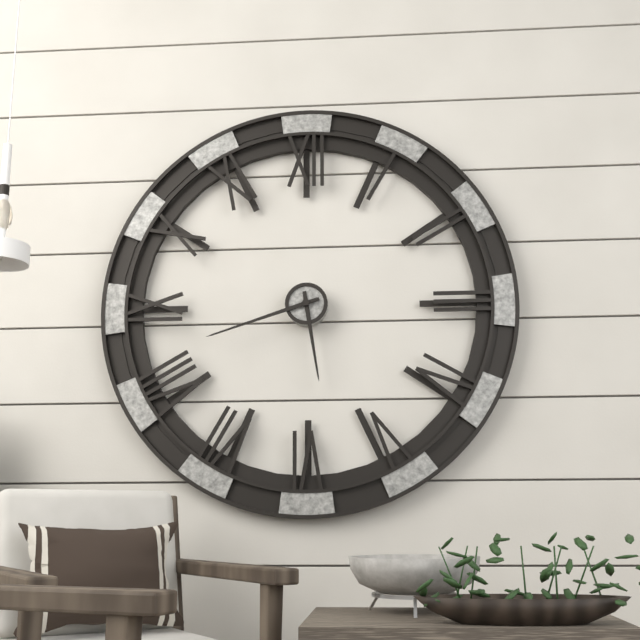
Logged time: 5 h 42 min
